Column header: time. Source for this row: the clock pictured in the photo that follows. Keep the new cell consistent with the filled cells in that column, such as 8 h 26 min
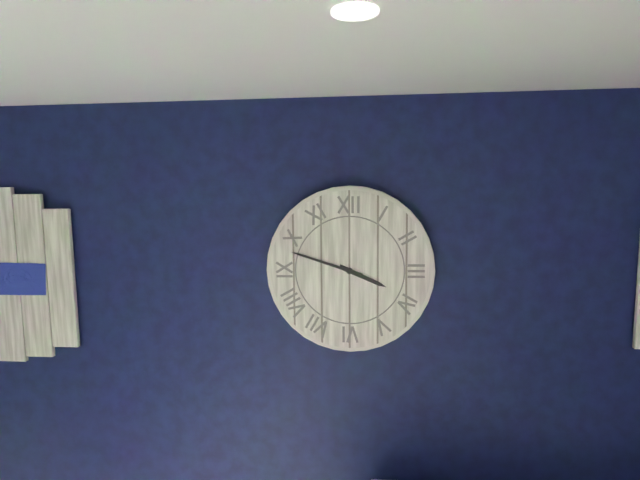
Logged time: 3 h 48 min
